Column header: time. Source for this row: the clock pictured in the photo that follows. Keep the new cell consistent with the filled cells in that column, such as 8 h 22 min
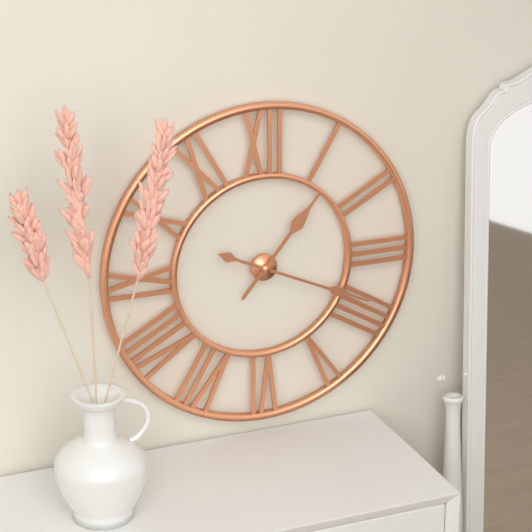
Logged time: 1 h 19 min
